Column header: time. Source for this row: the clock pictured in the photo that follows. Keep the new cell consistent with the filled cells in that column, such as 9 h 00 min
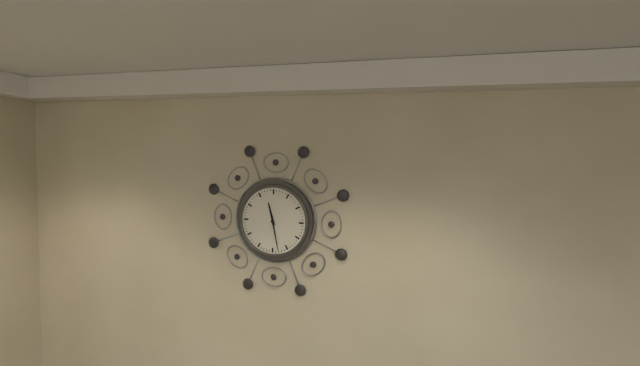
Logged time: 11 h 28 min
